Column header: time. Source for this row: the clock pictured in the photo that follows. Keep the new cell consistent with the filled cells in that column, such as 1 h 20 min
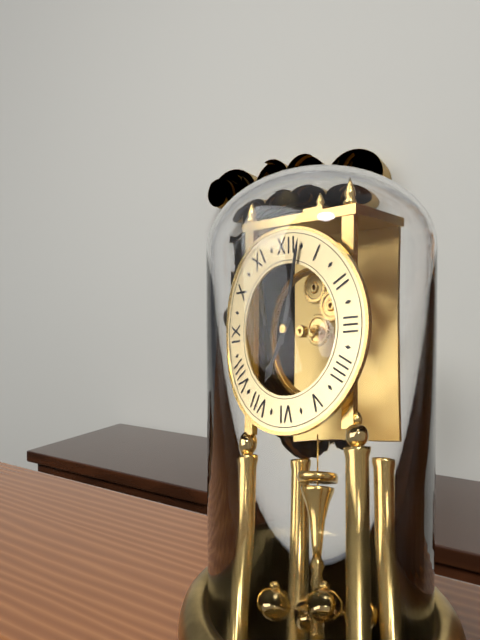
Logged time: 7 h 02 min
